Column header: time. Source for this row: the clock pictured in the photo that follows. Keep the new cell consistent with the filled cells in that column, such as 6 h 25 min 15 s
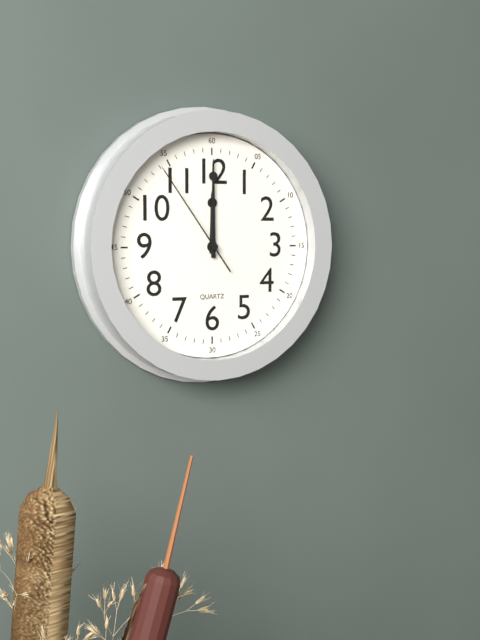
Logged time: 12 h 00 min 54 s
